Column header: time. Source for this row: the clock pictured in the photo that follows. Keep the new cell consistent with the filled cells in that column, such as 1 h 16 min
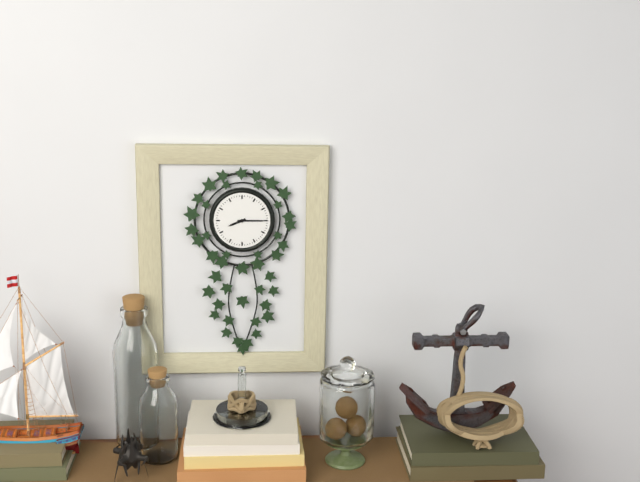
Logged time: 8 h 15 min
